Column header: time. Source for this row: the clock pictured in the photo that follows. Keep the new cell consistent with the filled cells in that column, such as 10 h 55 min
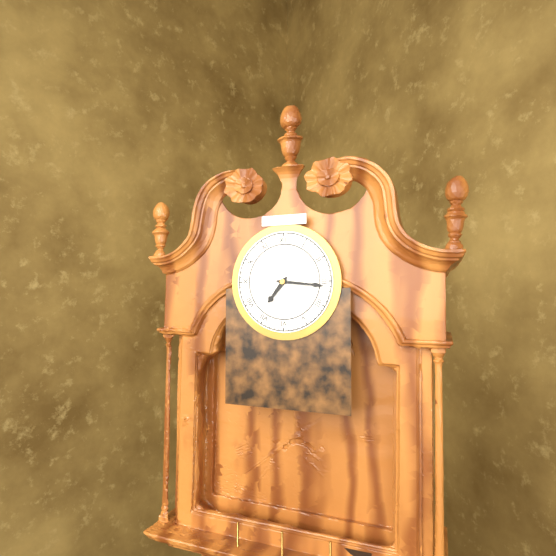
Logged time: 7 h 16 min
